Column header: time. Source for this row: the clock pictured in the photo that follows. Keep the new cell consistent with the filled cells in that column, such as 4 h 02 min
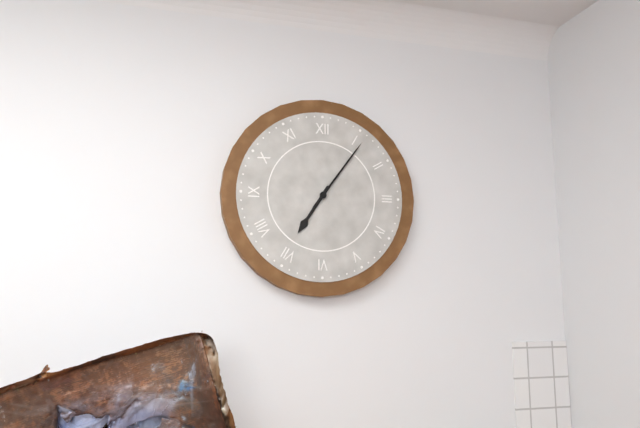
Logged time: 7 h 06 min
